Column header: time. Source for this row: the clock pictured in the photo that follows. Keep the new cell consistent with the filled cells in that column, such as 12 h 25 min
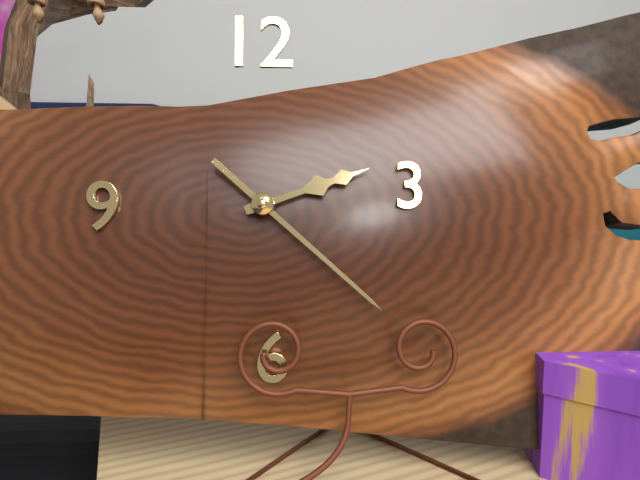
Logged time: 2 h 22 min
